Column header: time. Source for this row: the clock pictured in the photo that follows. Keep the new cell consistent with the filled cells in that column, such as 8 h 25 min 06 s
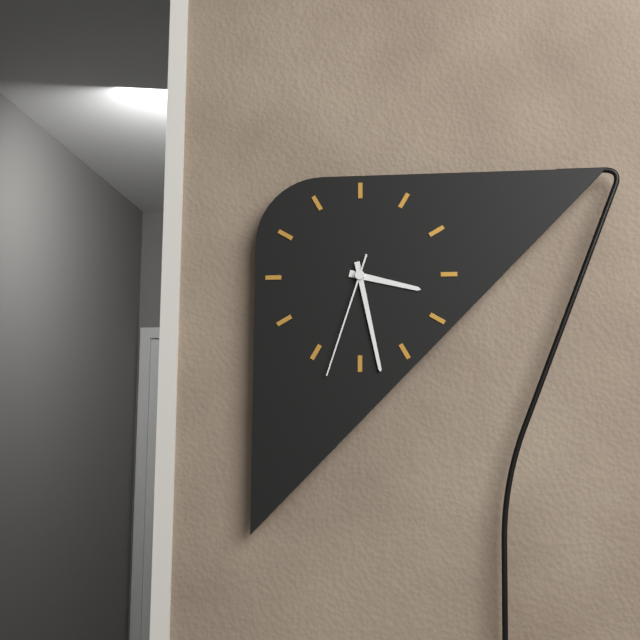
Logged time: 3 h 28 min 33 s
